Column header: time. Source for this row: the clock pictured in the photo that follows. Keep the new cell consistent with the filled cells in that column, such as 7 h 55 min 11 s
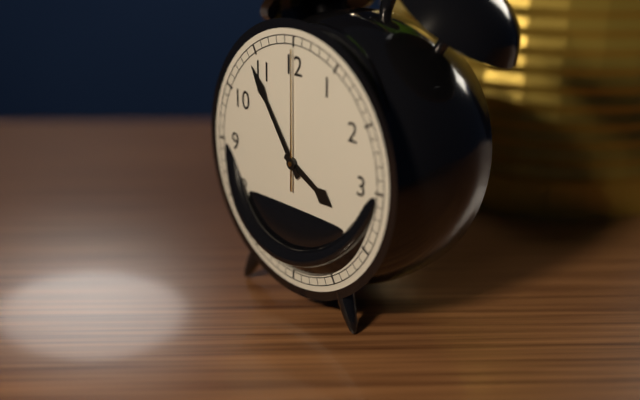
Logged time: 3 h 54 min 00 s
